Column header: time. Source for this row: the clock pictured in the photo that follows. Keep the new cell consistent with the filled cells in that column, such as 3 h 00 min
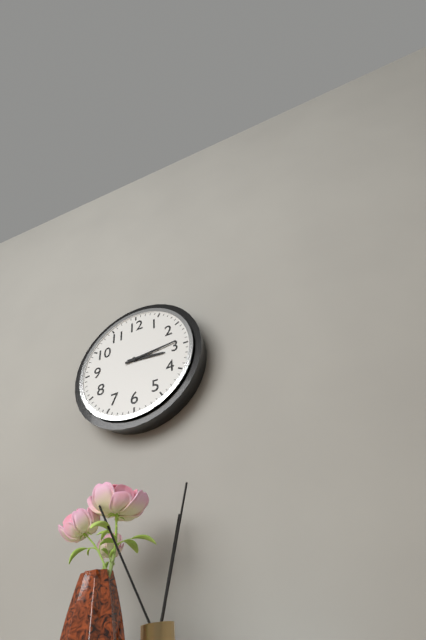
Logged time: 3 h 14 min
